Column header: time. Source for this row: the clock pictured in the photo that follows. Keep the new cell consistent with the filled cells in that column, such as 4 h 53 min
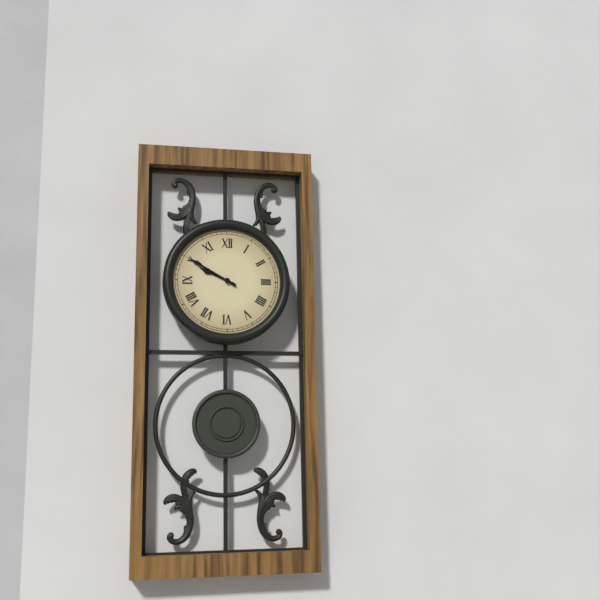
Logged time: 9 h 50 min
